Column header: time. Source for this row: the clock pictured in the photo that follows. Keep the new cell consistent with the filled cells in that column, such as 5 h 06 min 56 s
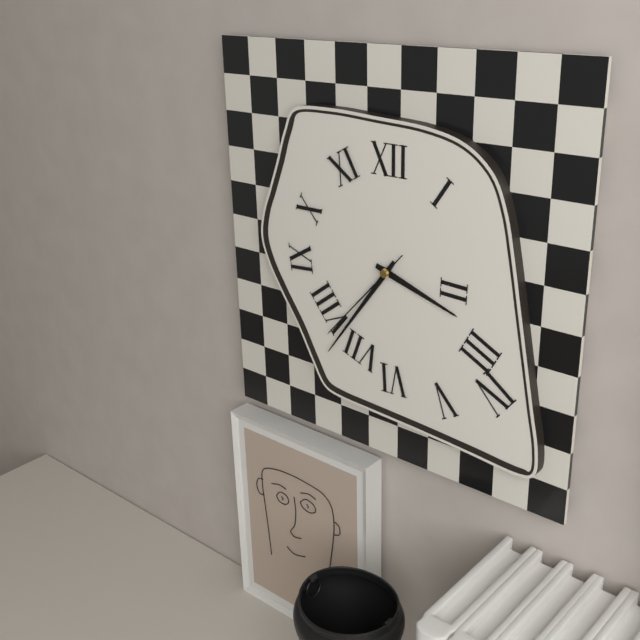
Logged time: 3 h 36 min 37 s
